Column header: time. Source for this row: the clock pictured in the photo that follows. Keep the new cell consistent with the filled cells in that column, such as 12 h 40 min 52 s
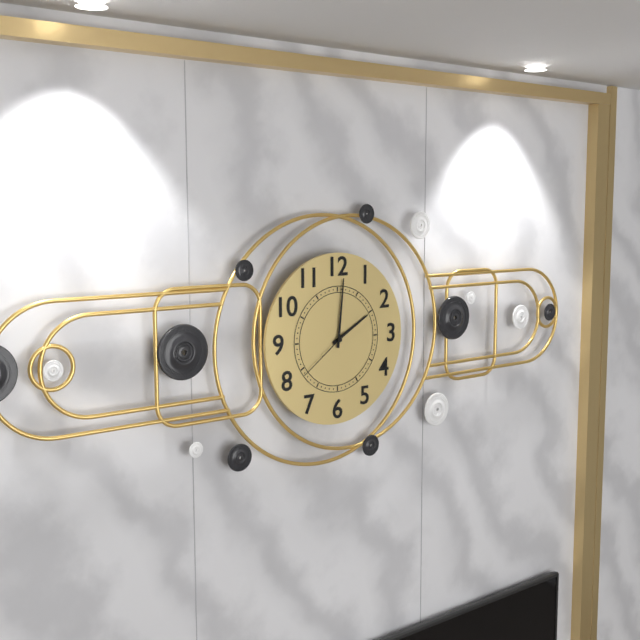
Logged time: 2 h 01 min 39 s
